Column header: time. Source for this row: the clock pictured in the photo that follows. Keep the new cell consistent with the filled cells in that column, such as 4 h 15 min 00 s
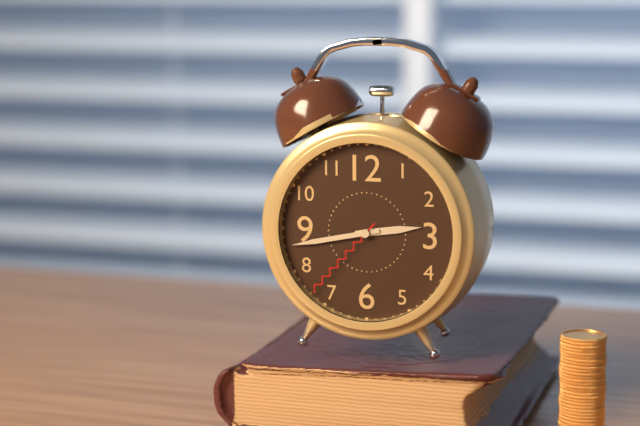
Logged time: 2 h 43 min 37 s
